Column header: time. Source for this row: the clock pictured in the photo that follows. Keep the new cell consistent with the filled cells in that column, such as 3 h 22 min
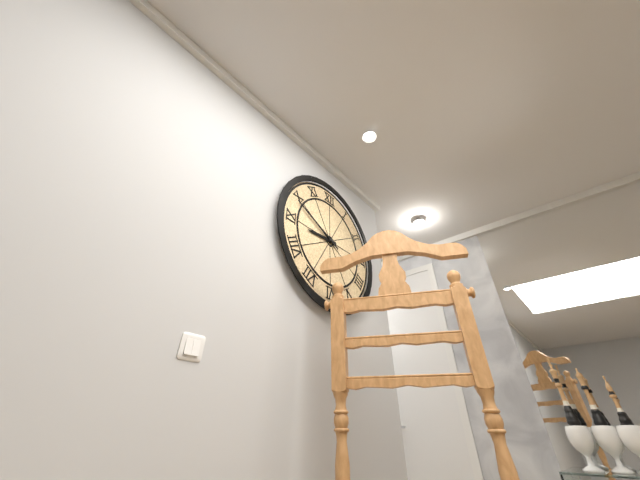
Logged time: 8 h 49 min
